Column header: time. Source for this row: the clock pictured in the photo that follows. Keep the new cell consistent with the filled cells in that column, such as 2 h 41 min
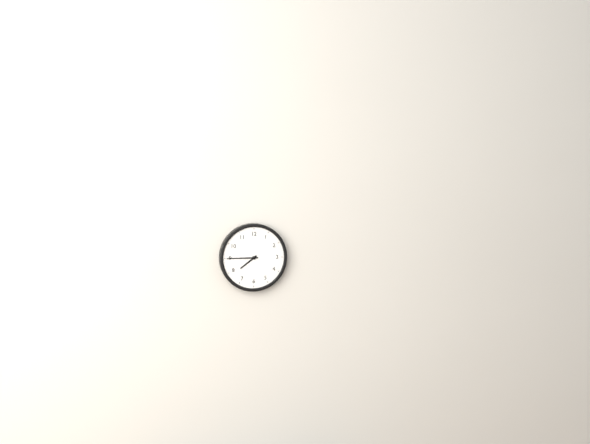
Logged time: 7 h 45 min
